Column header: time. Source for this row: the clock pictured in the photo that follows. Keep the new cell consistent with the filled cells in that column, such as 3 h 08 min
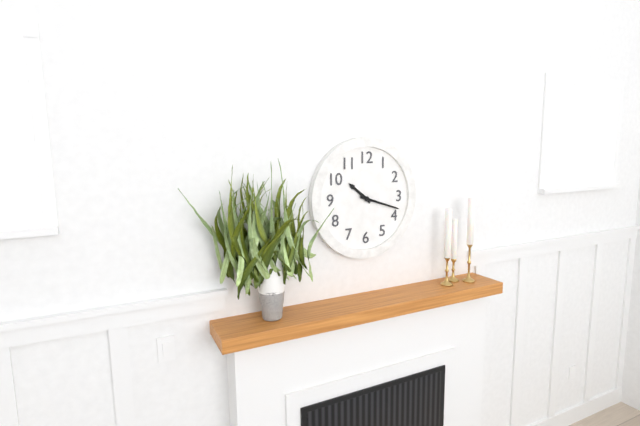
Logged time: 10 h 18 min
